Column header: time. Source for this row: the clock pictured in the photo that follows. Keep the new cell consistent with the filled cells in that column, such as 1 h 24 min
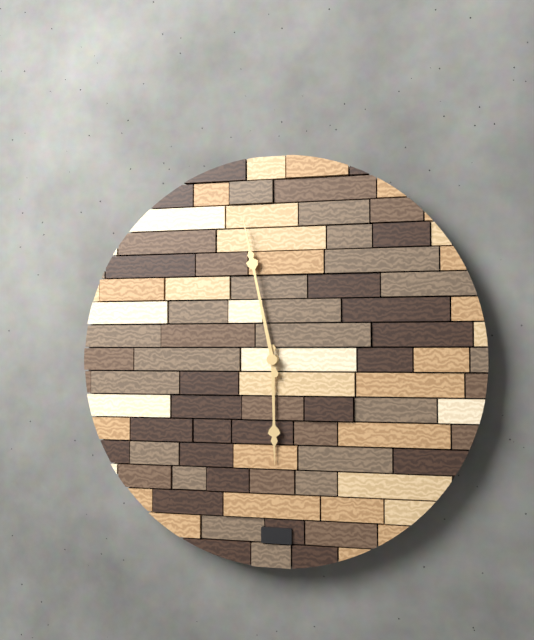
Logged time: 5 h 58 min
